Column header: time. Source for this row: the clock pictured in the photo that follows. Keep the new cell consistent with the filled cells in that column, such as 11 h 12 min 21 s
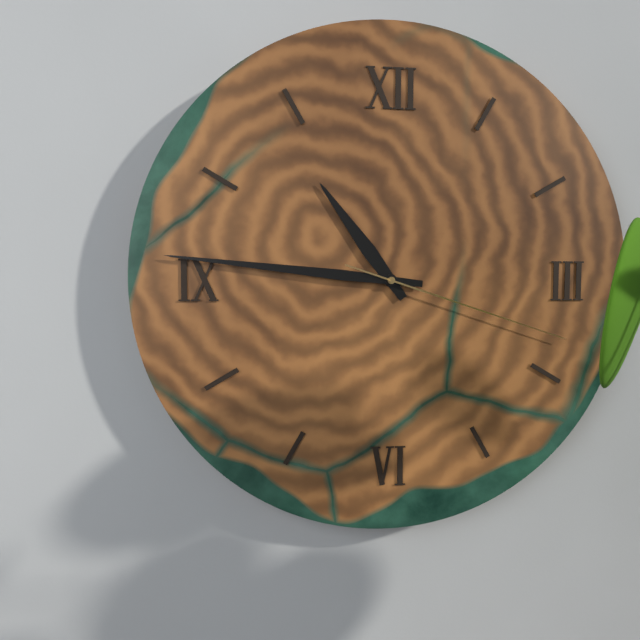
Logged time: 10 h 46 min 18 s
